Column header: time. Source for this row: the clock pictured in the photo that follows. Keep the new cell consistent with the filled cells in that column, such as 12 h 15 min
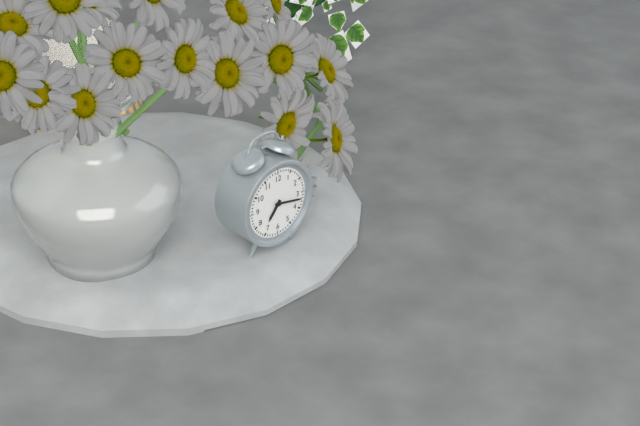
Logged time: 7 h 17 min
